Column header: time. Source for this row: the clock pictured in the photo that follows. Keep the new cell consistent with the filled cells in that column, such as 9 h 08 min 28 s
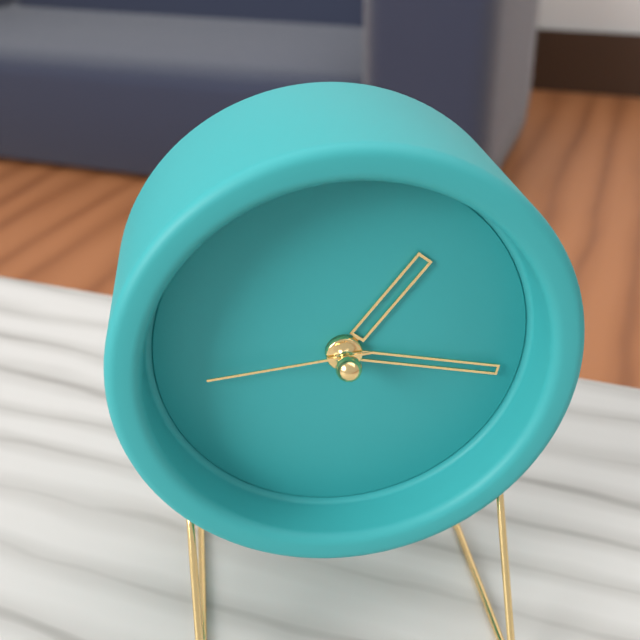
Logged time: 1 h 17 min 44 s
